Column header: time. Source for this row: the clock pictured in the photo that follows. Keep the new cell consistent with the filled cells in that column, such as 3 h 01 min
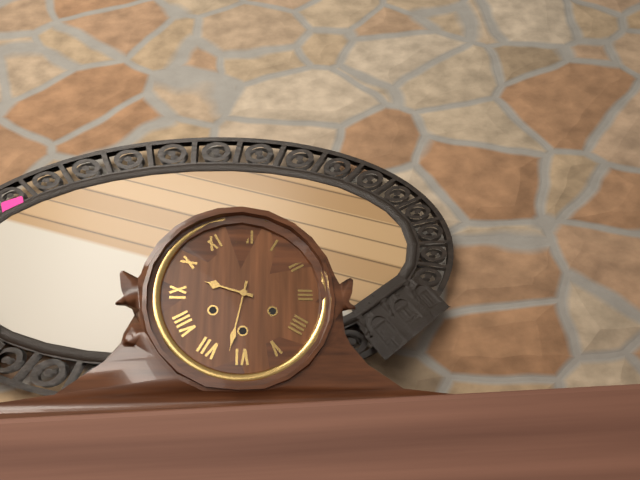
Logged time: 9 h 32 min
